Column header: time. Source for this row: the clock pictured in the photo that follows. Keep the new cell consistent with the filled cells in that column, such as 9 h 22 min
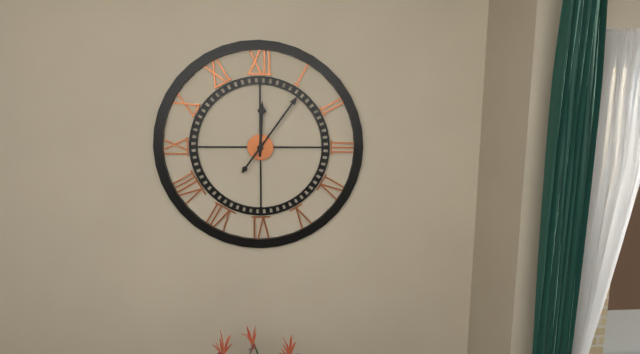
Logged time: 12 h 06 min
